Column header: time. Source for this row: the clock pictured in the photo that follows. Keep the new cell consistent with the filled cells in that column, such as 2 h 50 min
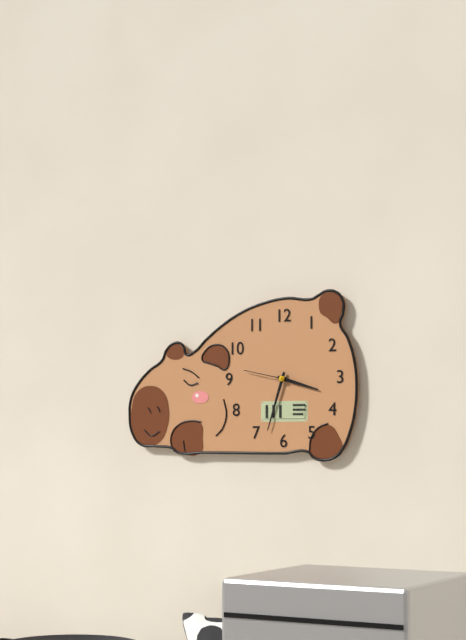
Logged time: 3 h 33 min
